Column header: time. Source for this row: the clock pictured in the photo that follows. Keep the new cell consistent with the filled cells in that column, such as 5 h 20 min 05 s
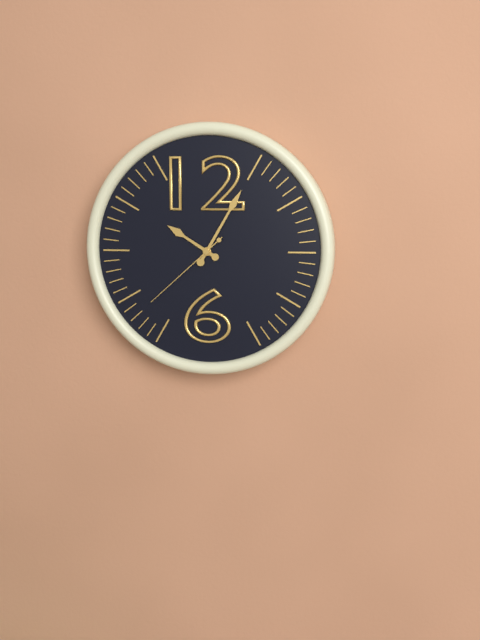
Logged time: 10 h 05 min 38 s
